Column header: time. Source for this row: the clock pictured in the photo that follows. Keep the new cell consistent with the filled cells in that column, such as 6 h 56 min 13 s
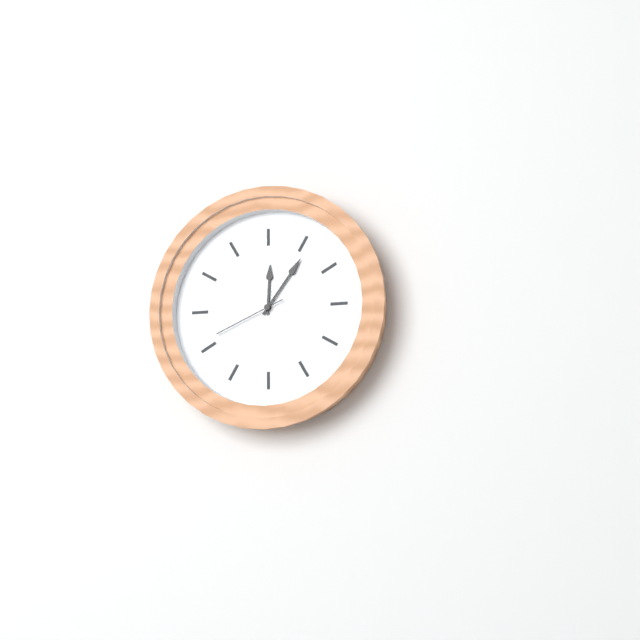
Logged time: 12 h 06 min 41 s
